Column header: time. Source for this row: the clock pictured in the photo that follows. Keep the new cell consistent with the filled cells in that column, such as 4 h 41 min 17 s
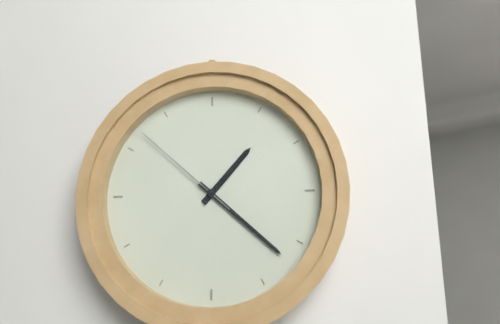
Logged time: 1 h 22 min 52 s
